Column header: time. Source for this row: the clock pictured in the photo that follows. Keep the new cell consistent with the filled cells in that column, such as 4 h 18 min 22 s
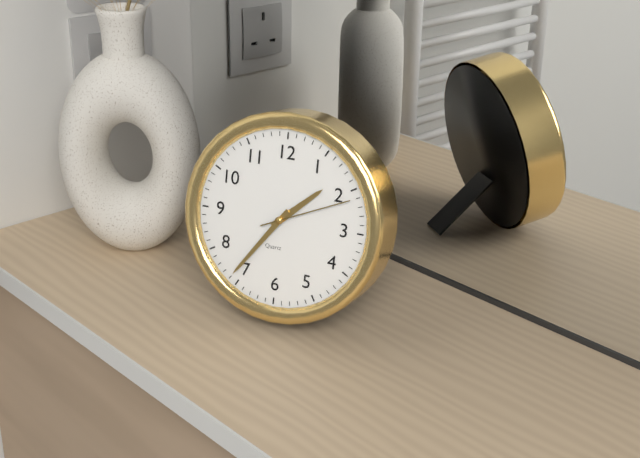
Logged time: 1 h 36 min 11 s
